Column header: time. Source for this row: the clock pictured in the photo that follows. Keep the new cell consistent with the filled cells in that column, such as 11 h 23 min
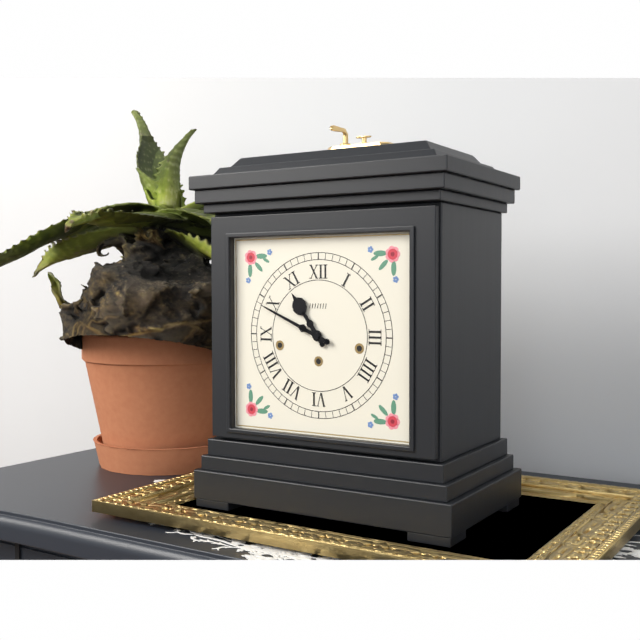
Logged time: 10 h 49 min
